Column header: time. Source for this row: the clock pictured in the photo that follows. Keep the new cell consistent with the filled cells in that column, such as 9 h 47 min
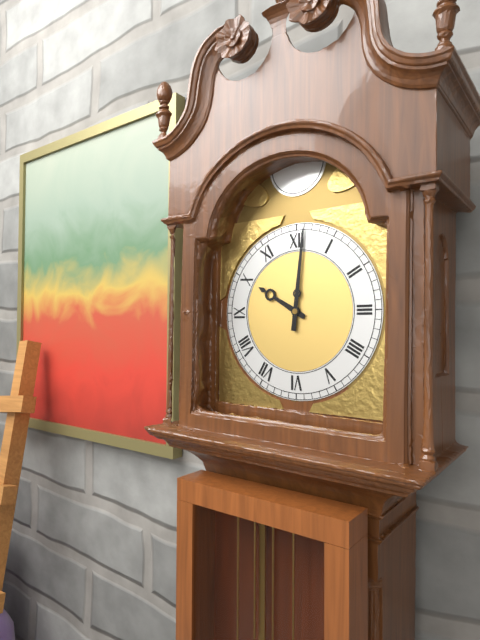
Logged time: 10 h 01 min
